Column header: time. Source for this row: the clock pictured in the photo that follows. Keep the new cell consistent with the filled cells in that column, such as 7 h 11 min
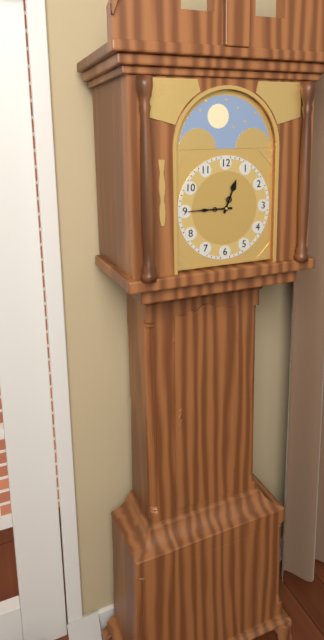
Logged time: 12 h 45 min
